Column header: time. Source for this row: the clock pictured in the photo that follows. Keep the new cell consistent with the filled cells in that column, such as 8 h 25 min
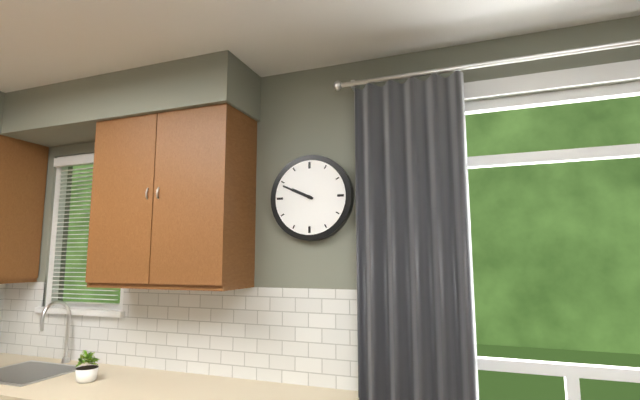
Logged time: 9 h 49 min
